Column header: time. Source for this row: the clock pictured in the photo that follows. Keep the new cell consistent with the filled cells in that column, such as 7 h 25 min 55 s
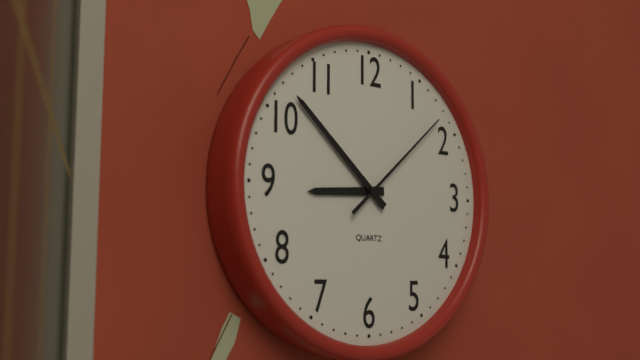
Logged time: 8 h 52 min 08 s
